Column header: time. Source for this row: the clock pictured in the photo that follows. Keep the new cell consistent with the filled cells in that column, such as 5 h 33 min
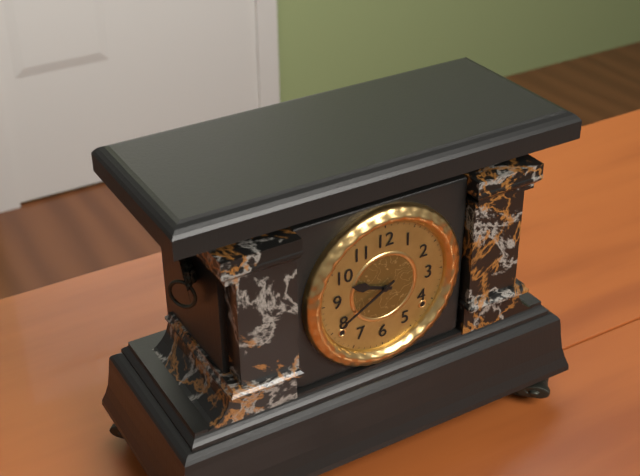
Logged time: 9 h 40 min
